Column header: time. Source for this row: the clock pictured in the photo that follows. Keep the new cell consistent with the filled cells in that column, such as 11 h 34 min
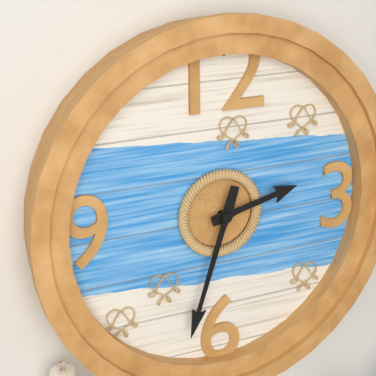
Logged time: 2 h 33 min
